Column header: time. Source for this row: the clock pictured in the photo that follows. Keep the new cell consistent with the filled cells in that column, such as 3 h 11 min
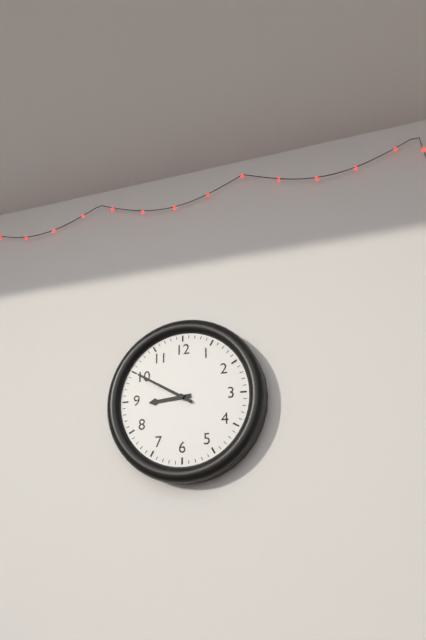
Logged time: 8 h 50 min
